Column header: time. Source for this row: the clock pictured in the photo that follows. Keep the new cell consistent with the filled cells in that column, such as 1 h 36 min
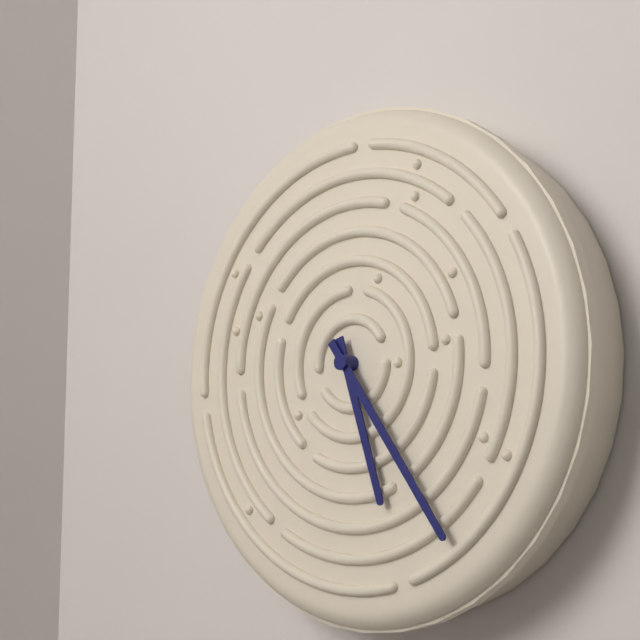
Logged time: 5 h 24 min
